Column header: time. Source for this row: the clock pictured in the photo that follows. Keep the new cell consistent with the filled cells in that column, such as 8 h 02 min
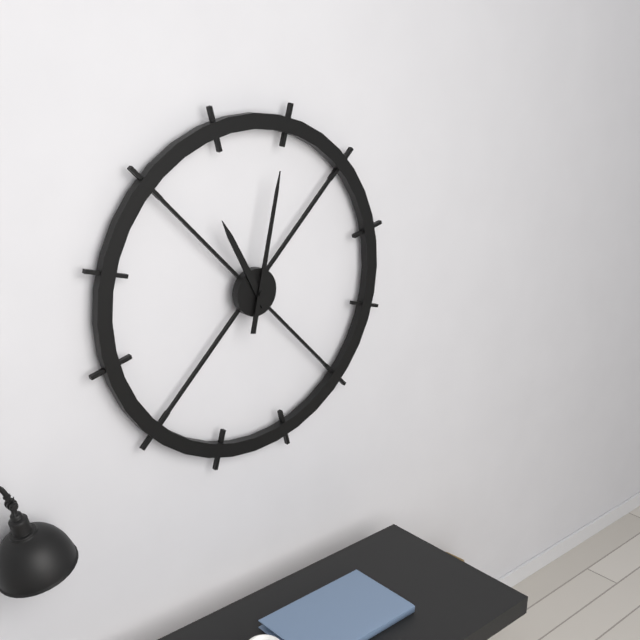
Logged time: 11 h 02 min
